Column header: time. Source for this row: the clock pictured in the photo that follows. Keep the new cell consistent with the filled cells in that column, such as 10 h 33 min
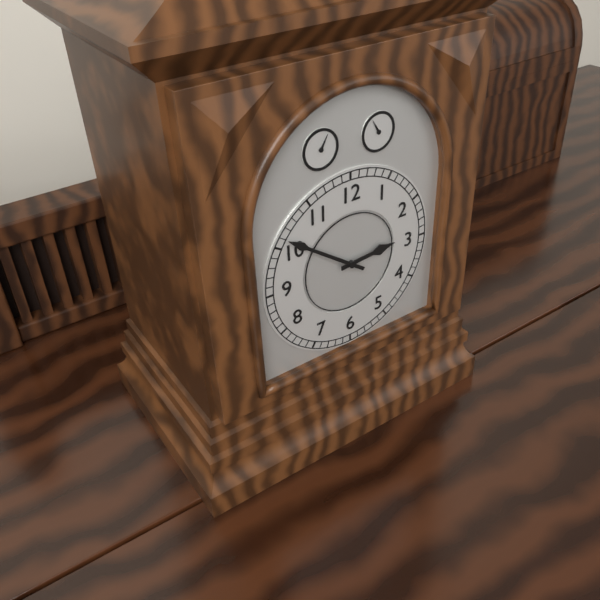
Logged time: 2 h 51 min
